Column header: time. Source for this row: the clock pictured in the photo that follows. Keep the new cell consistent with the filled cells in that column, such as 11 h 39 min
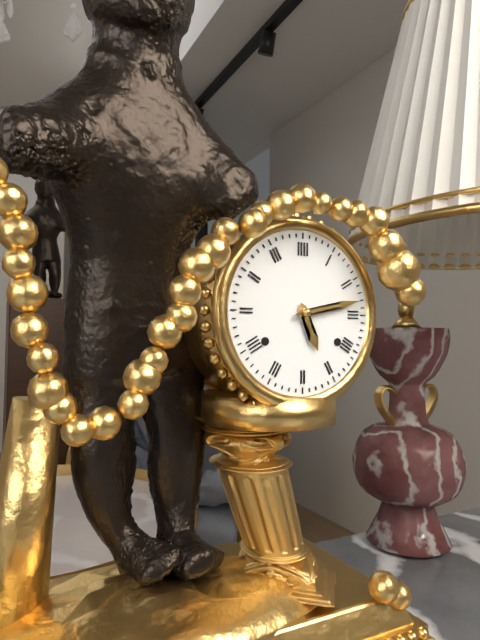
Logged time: 5 h 13 min
